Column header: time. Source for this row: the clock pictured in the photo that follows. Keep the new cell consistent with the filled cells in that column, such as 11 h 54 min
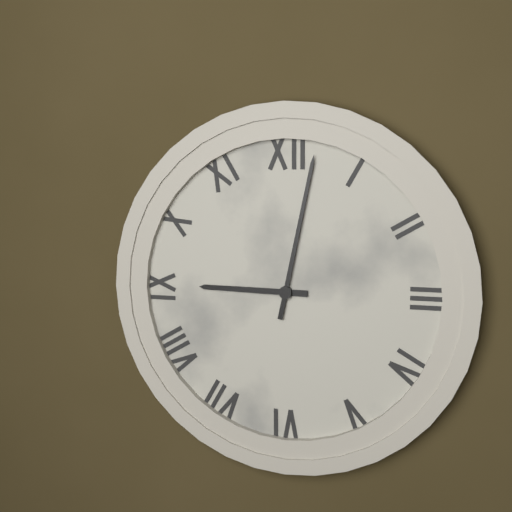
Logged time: 9 h 02 min
